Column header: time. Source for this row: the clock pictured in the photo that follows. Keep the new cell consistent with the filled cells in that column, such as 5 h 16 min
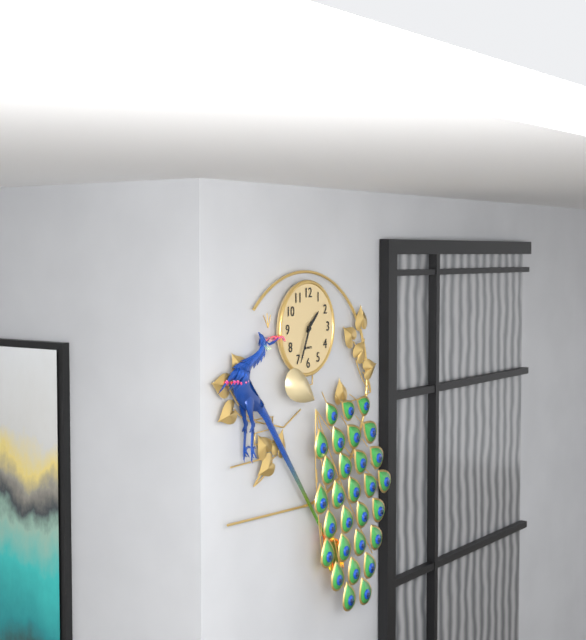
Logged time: 1 h 34 min
